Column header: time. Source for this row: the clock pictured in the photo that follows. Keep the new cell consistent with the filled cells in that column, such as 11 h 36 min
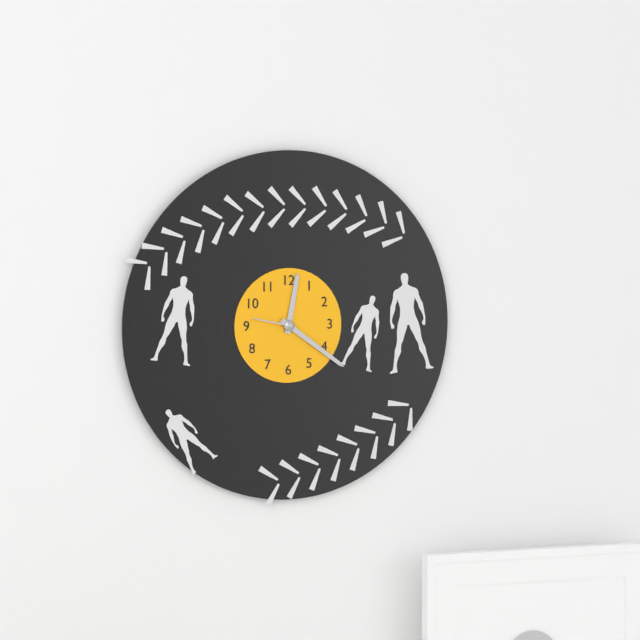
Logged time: 12 h 21 min
